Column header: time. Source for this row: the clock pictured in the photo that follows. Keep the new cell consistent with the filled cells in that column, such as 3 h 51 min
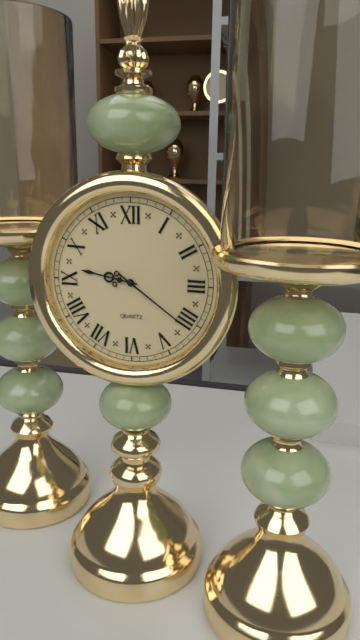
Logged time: 9 h 21 min
